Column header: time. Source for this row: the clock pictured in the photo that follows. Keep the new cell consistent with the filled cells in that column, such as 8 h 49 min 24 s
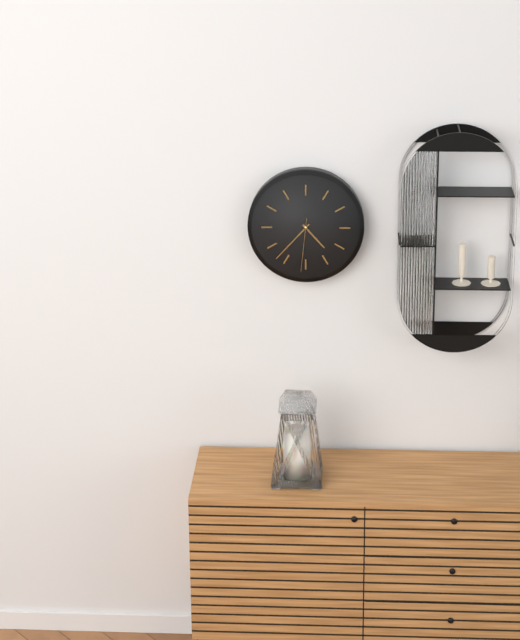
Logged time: 4 h 37 min 31 s
